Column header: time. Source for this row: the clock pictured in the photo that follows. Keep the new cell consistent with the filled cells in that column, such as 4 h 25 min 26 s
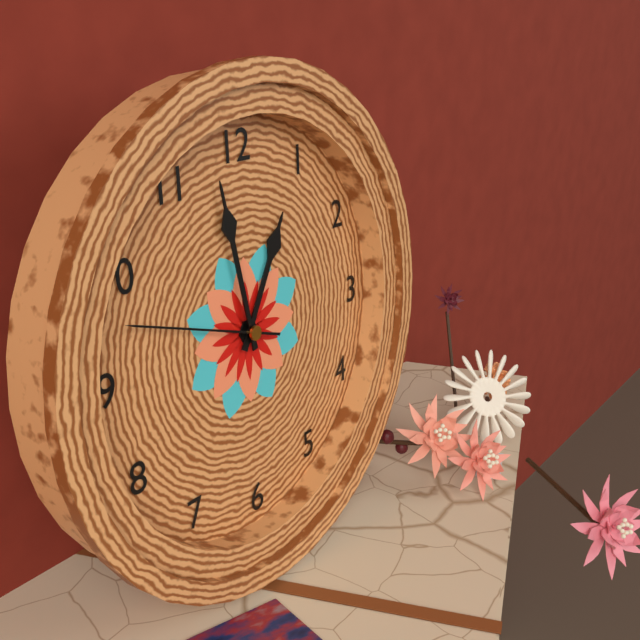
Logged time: 12 h 58 min 48 s
